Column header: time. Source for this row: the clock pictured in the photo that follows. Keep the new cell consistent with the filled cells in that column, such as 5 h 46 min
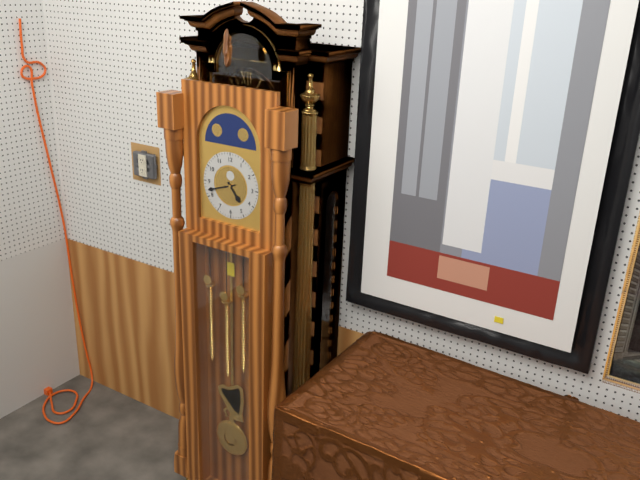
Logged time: 4 h 42 min
